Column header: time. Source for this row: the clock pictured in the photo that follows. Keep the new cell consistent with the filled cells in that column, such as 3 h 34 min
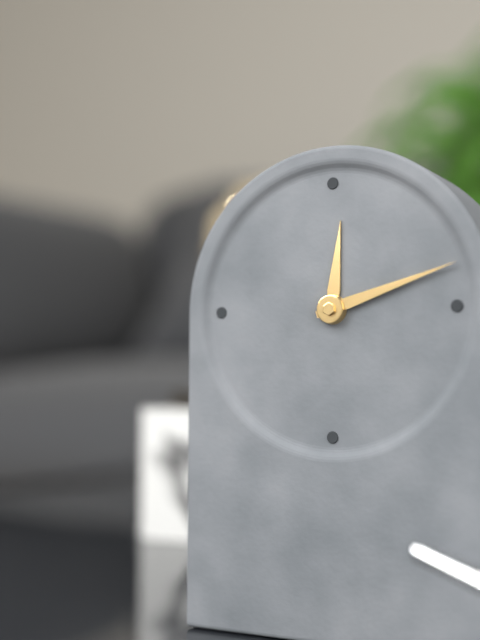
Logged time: 12 h 12 min
